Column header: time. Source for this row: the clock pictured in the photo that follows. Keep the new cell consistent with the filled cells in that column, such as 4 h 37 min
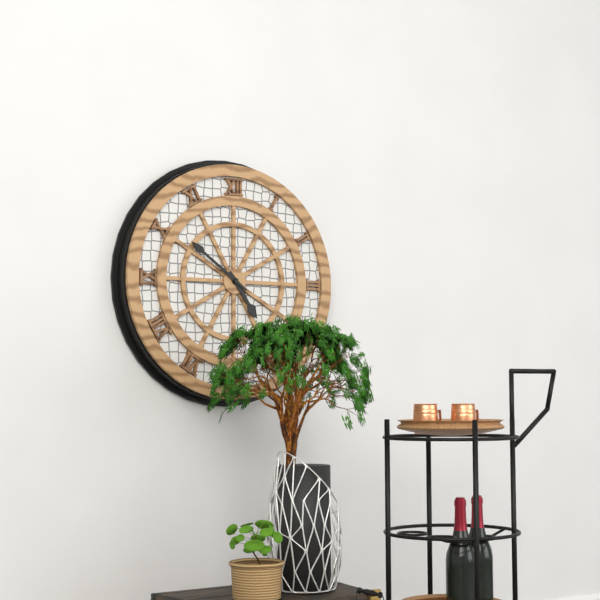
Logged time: 4 h 51 min
